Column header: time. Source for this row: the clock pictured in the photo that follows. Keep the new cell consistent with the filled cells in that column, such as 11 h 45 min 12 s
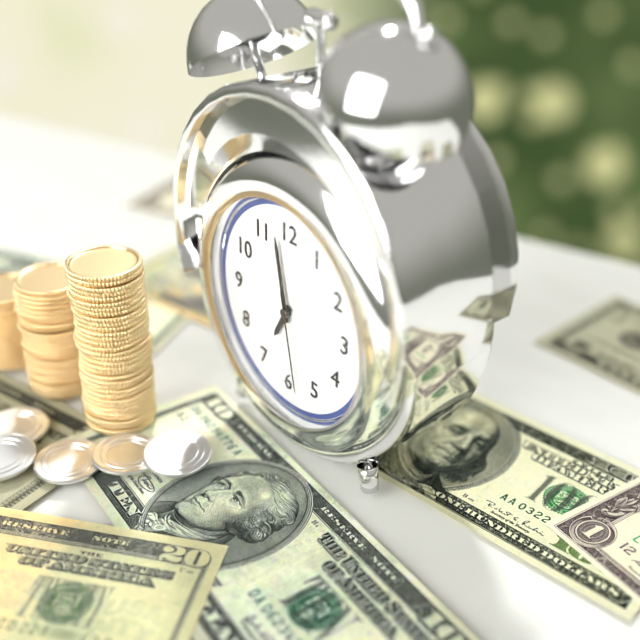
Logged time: 6 h 58 min 28 s
